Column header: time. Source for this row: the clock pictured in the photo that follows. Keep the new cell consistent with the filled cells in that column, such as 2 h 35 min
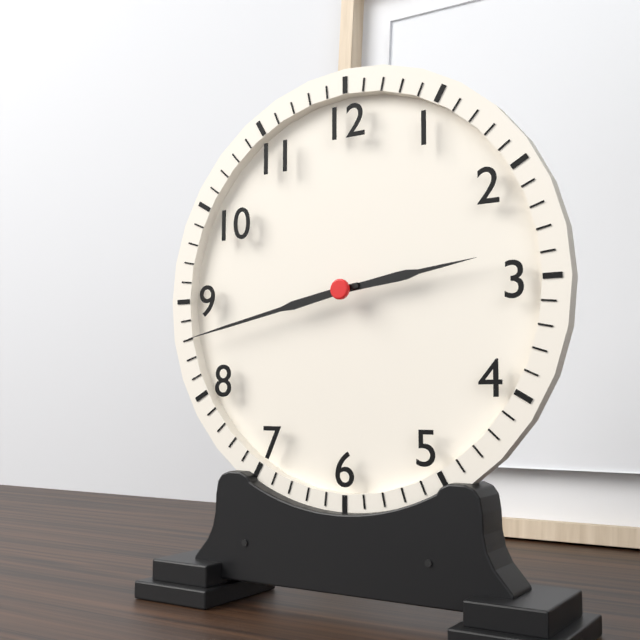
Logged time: 2 h 43 min
